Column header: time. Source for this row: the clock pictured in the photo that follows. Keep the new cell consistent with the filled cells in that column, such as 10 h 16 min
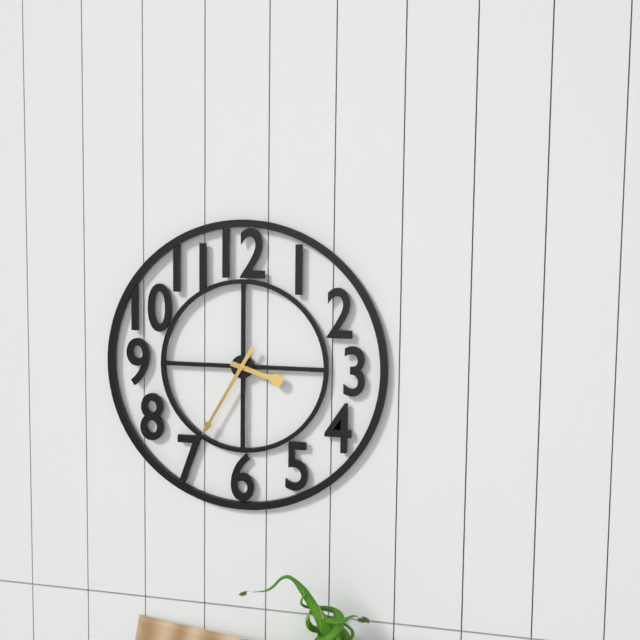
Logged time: 3 h 35 min
